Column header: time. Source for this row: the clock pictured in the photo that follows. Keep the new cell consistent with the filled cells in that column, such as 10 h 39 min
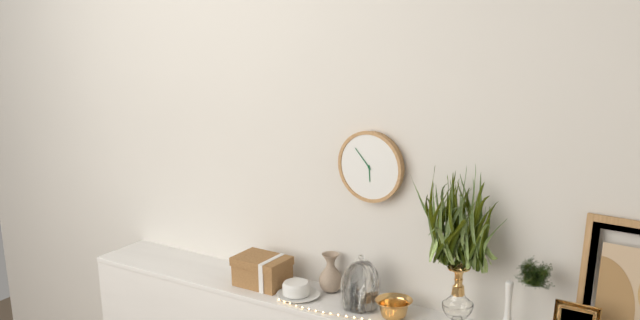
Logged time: 5 h 53 min
